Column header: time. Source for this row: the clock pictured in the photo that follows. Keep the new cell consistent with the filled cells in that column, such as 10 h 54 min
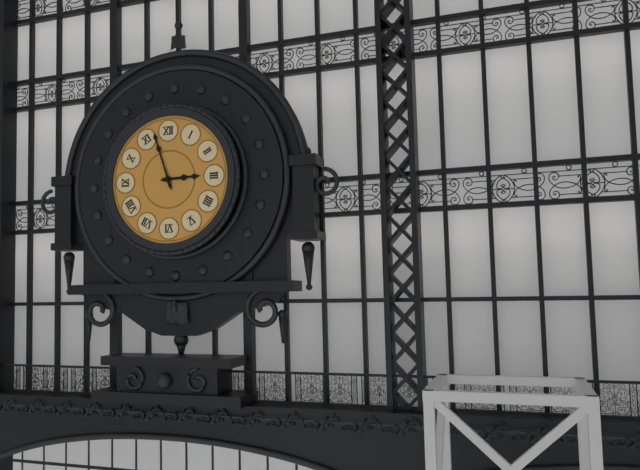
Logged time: 2 h 57 min
